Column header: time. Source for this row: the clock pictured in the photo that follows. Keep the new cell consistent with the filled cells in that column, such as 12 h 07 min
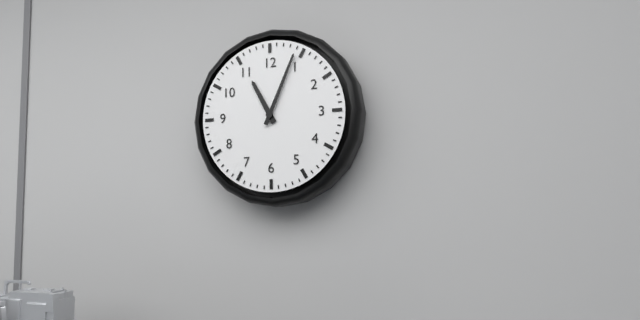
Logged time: 11 h 04 min
